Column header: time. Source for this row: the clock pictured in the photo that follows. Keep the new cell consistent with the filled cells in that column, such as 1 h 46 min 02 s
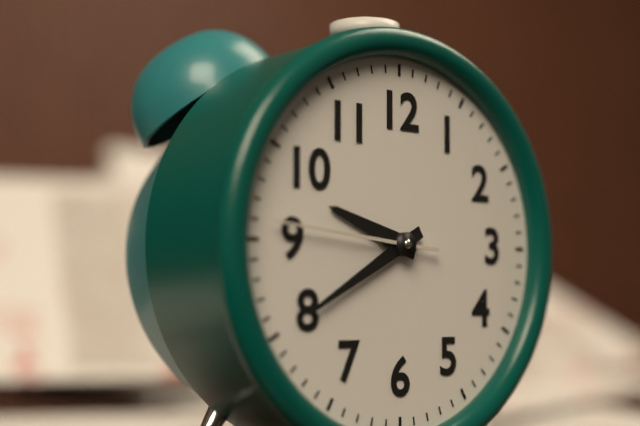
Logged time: 9 h 40 min 46 s
